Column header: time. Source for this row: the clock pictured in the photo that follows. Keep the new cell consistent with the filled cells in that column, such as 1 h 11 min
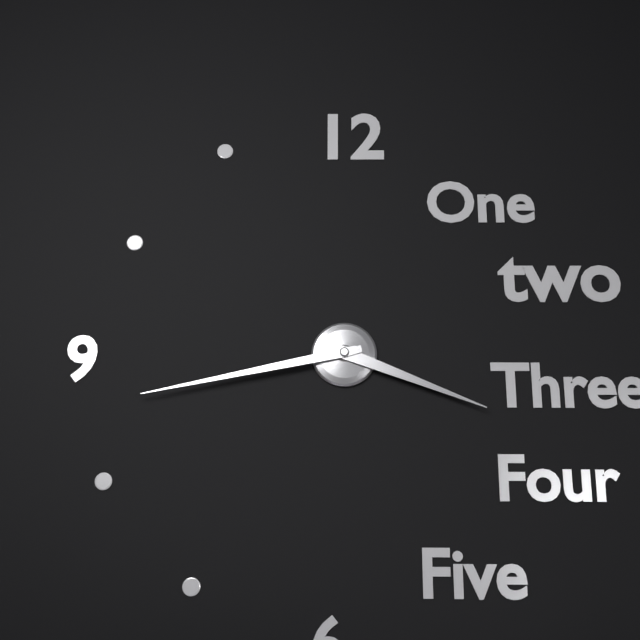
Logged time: 3 h 43 min
